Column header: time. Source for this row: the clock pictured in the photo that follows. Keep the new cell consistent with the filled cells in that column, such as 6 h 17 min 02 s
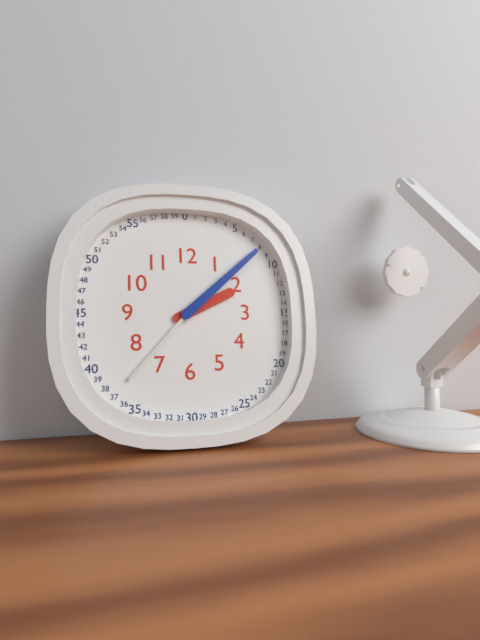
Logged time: 2 h 08 min 37 s
